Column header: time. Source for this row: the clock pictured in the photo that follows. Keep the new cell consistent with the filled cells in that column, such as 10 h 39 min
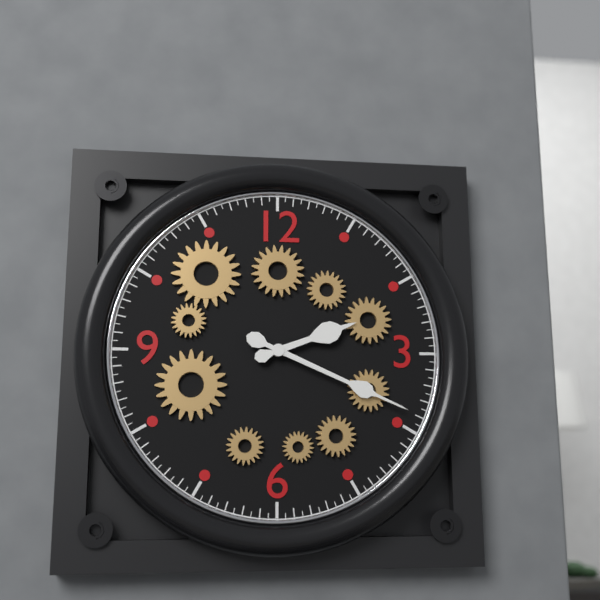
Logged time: 2 h 19 min
